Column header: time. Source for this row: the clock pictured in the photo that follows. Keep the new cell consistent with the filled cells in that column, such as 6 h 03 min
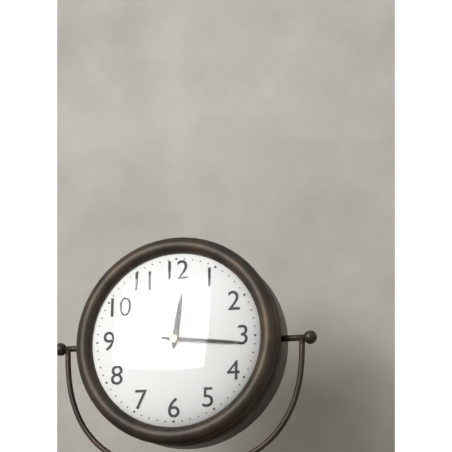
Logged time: 12 h 16 min
